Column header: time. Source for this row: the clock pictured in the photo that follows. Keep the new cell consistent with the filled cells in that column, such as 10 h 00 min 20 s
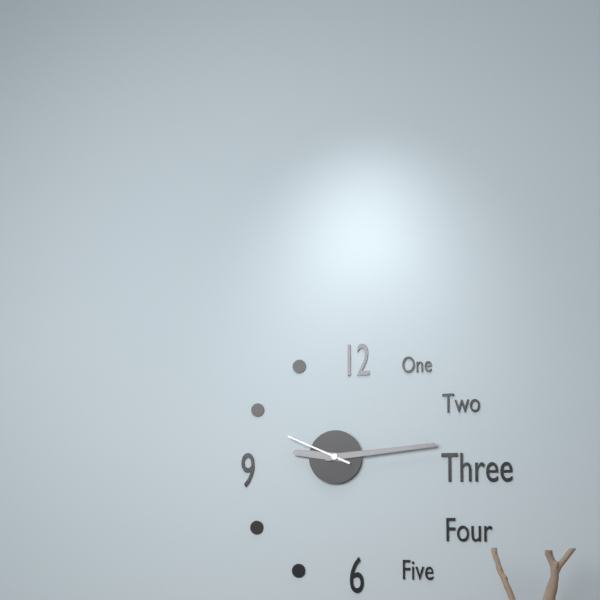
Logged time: 9 h 14 min 49 s
